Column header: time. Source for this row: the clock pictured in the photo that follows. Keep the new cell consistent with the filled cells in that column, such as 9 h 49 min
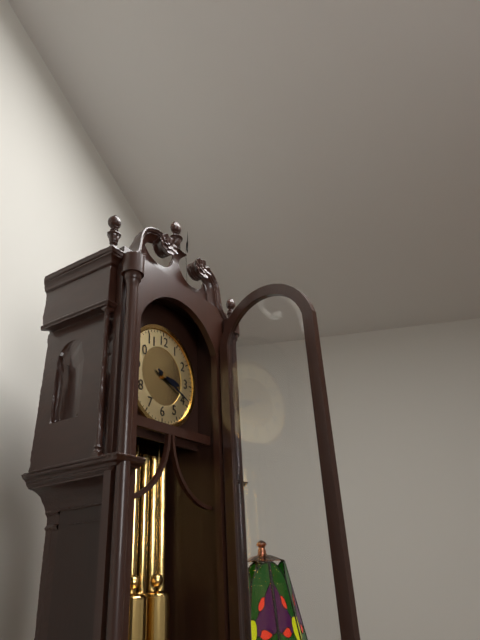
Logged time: 3 h 19 min
